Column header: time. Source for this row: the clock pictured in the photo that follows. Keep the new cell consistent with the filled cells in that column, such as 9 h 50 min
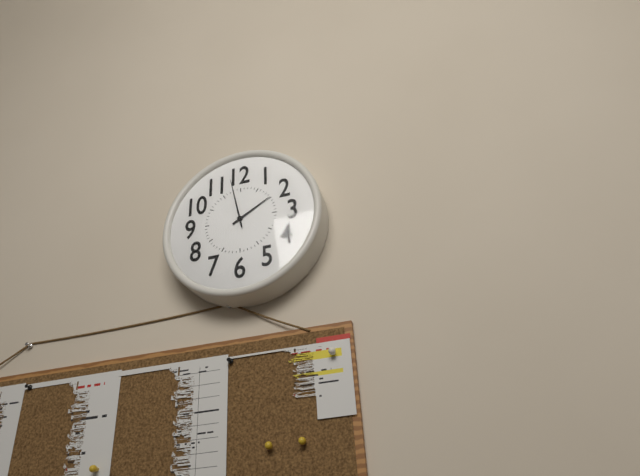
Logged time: 1 h 58 min
